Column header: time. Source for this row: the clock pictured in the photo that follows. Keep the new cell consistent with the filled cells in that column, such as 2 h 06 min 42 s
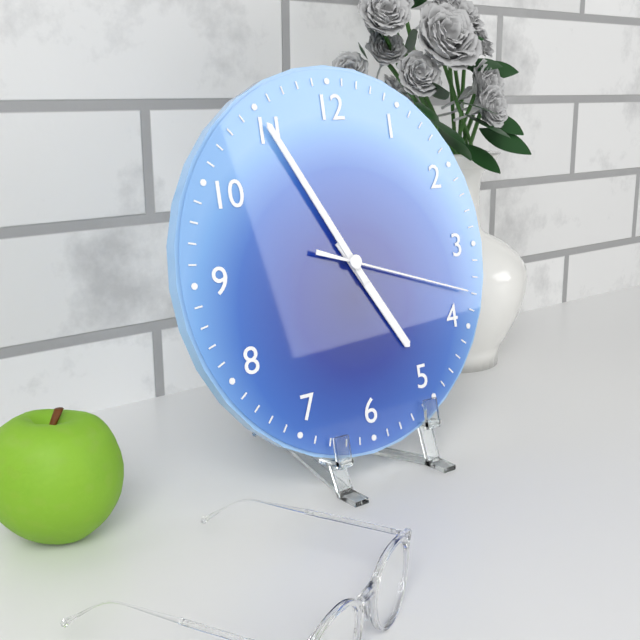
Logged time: 4 h 55 min 18 s
